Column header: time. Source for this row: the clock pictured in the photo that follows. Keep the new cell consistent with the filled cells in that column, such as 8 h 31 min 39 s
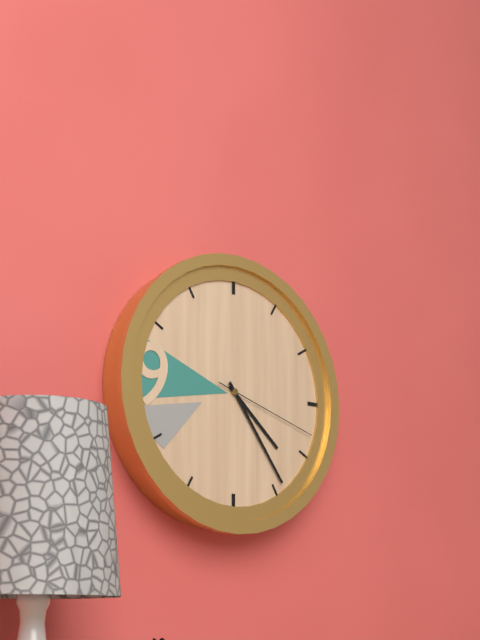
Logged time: 4 h 24 min 18 s
